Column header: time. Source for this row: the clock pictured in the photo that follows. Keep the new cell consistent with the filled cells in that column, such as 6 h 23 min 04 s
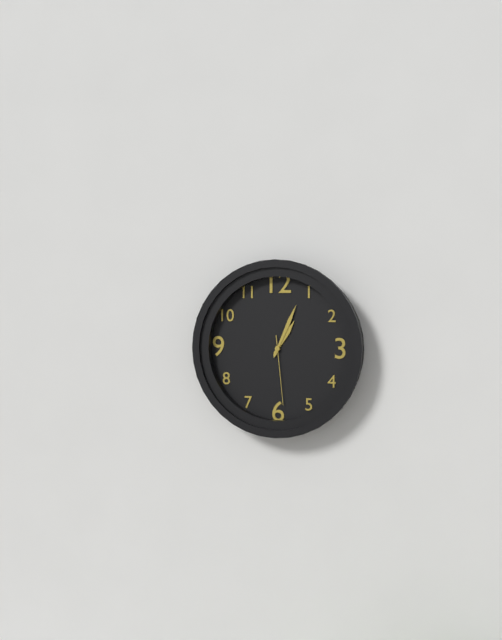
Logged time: 1 h 04 min 29 s
